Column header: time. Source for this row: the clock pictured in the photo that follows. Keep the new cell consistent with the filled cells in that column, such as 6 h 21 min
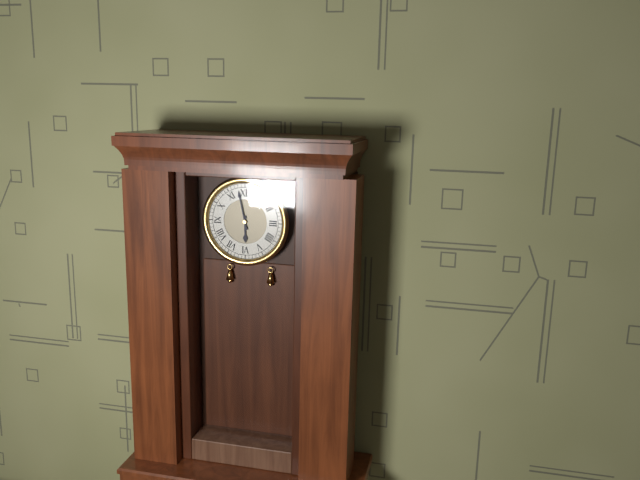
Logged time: 5 h 58 min
